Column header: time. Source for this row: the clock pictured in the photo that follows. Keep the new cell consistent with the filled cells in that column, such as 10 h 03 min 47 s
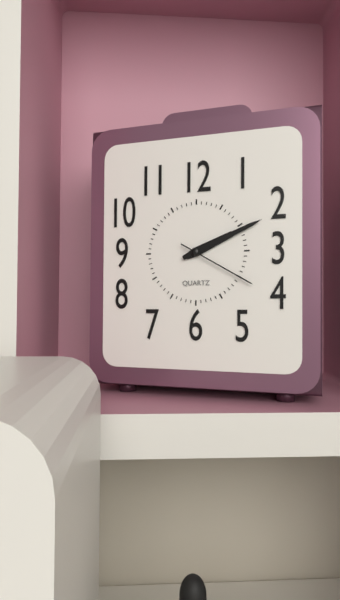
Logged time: 2 h 11 min 20 s
